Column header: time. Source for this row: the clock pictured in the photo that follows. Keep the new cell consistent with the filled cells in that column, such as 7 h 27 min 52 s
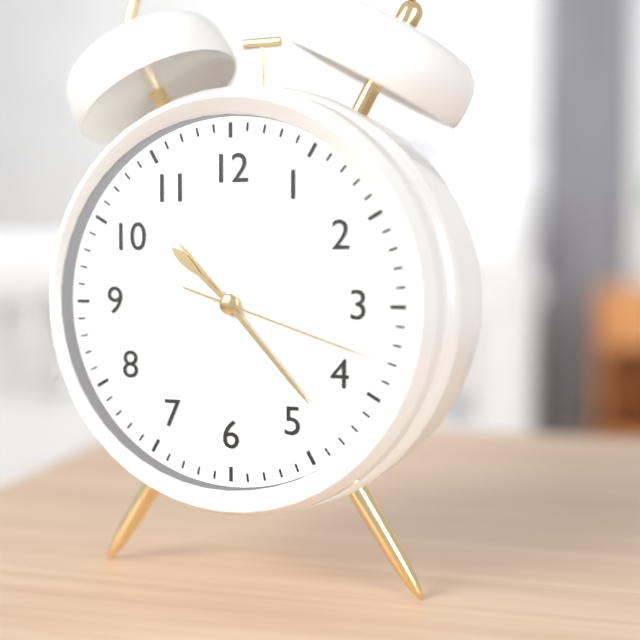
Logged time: 10 h 23 min 18 s
